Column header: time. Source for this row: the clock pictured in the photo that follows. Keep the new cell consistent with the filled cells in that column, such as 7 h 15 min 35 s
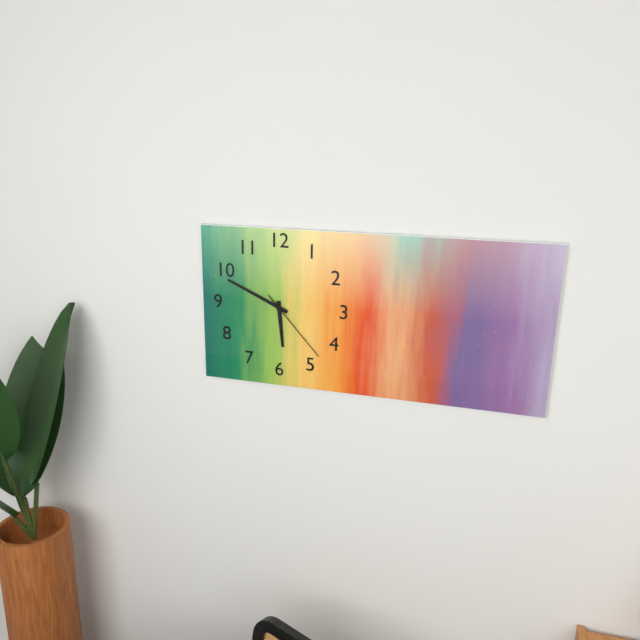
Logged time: 5 h 49 min 23 s
